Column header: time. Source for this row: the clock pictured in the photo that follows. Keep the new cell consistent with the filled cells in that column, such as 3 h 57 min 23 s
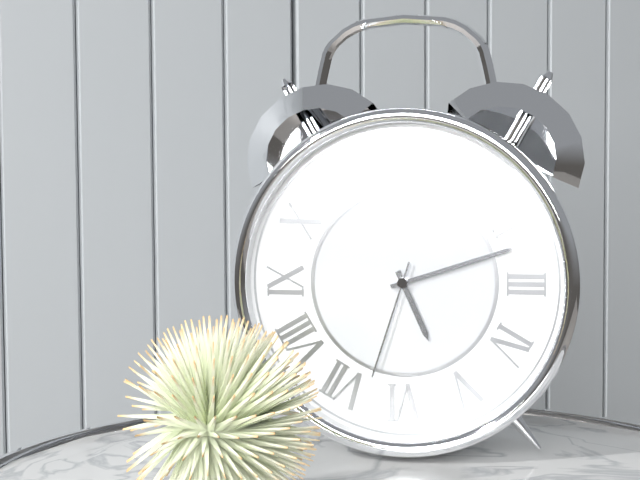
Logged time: 5 h 12 min 33 s
